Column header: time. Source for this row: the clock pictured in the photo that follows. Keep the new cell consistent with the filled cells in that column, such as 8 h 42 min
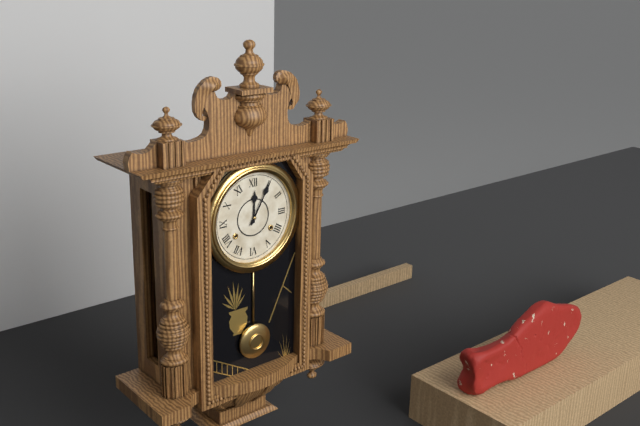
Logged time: 12 h 05 min
